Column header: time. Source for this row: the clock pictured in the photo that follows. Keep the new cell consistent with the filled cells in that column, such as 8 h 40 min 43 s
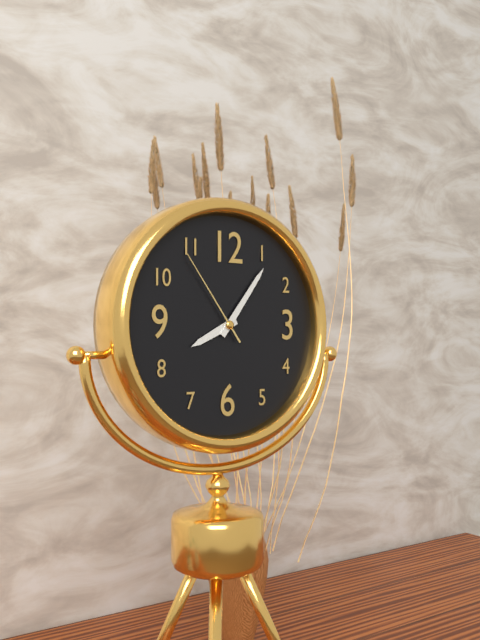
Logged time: 8 h 06 min 54 s
